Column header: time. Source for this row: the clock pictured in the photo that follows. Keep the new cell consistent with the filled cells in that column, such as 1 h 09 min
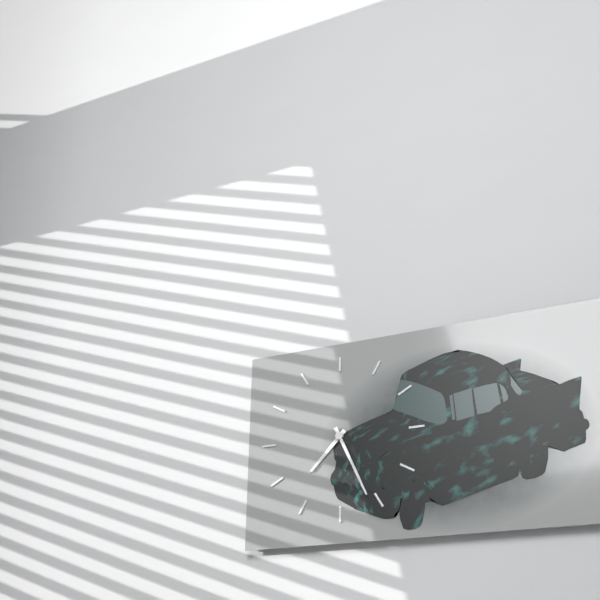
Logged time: 7 h 26 min
